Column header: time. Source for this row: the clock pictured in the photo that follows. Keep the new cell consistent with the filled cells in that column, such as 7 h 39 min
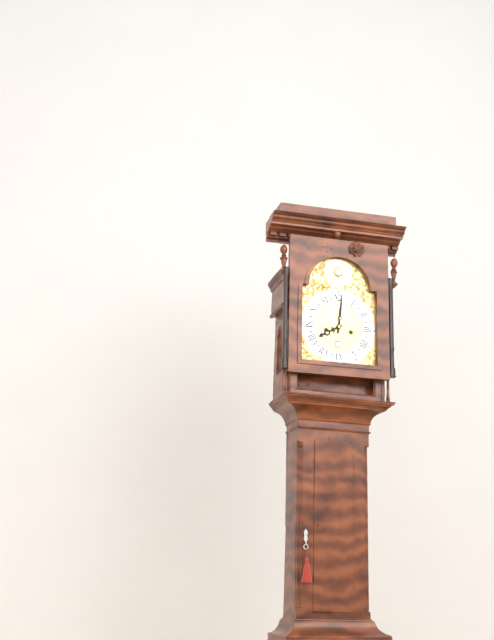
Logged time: 8 h 01 min
